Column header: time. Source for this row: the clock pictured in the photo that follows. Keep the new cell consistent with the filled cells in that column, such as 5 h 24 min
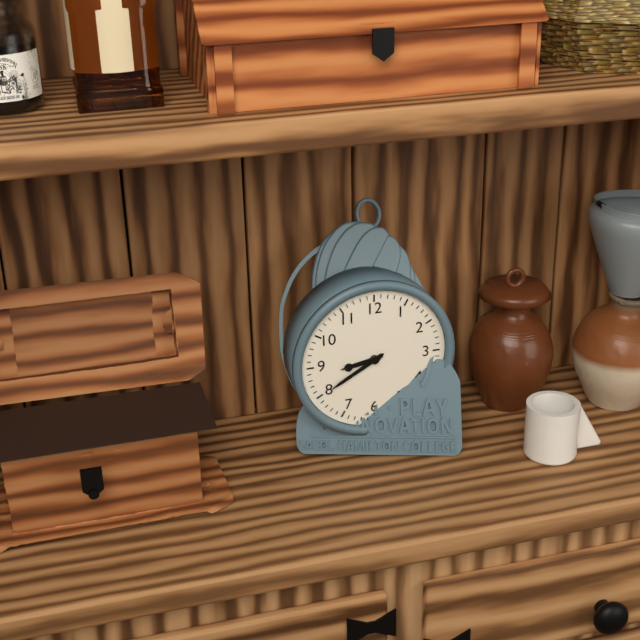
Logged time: 8 h 40 min
